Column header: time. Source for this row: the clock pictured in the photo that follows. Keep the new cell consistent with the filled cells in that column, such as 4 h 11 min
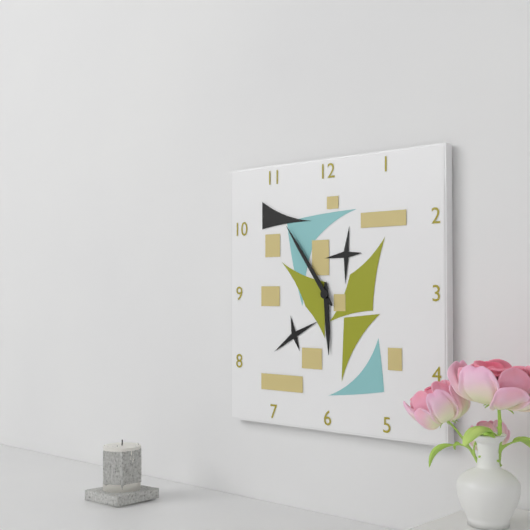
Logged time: 5 h 54 min
